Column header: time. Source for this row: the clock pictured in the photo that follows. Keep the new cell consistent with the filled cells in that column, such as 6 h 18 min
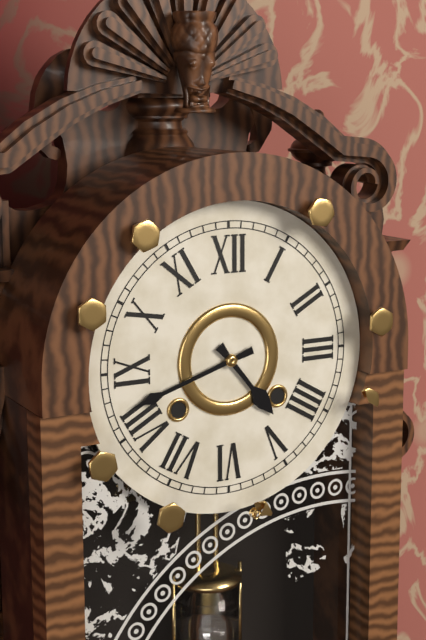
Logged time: 4 h 42 min
